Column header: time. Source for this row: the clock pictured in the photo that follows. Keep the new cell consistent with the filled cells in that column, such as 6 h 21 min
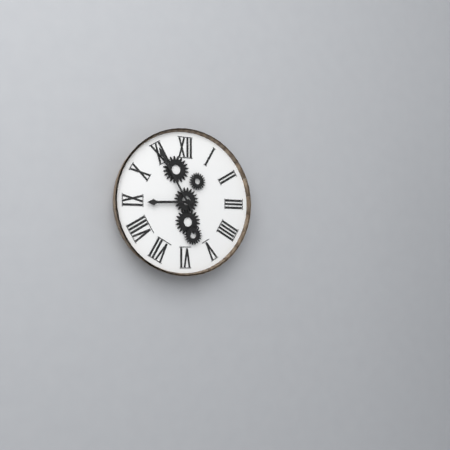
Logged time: 8 h 55 min
